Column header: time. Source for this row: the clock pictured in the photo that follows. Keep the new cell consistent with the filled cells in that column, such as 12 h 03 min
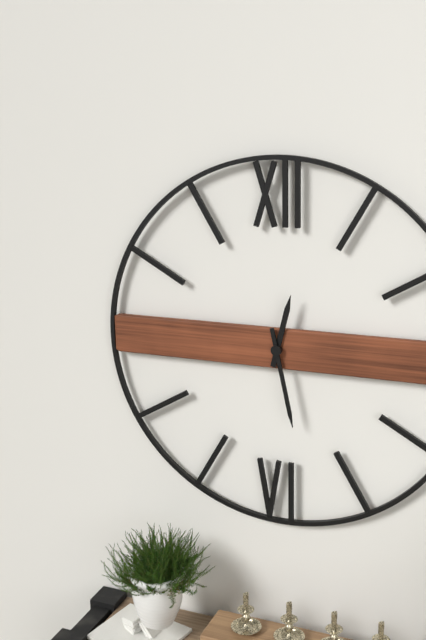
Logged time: 12 h 28 min
